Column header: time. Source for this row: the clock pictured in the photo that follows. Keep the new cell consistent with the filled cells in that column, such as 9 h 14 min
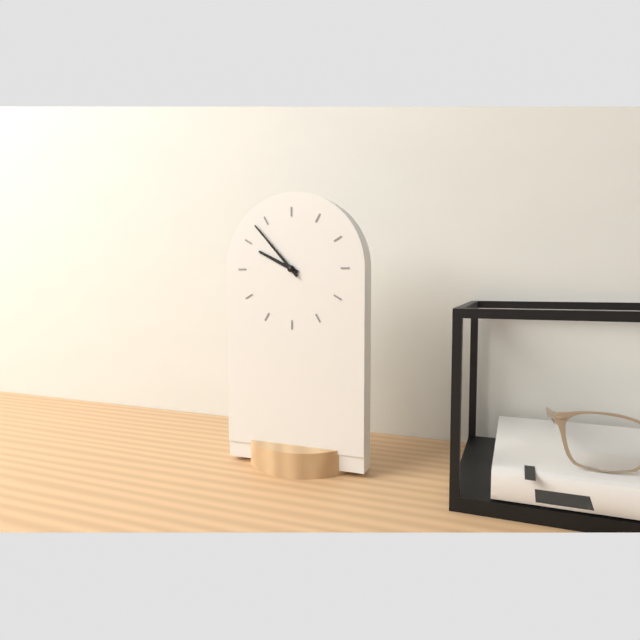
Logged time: 9 h 53 min
